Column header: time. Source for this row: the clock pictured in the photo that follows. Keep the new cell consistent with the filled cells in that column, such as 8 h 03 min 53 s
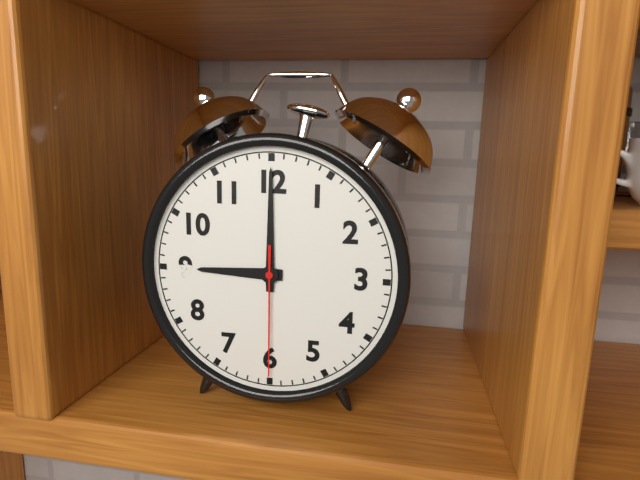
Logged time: 9 h 00 min 30 s
